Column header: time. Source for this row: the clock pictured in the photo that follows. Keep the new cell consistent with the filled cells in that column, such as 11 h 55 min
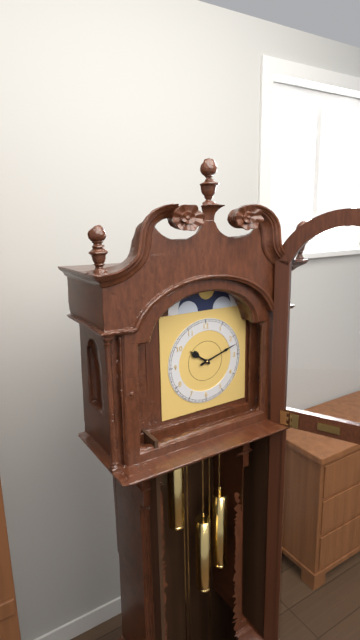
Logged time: 10 h 12 min
